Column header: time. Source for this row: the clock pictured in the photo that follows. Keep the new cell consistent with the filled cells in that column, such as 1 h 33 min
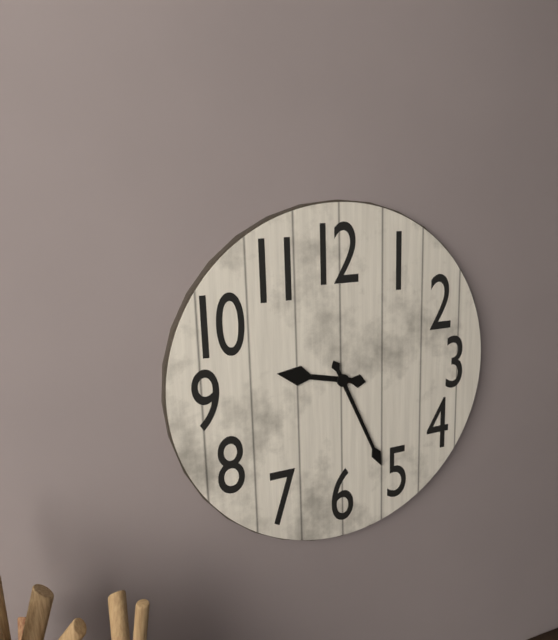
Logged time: 9 h 26 min
